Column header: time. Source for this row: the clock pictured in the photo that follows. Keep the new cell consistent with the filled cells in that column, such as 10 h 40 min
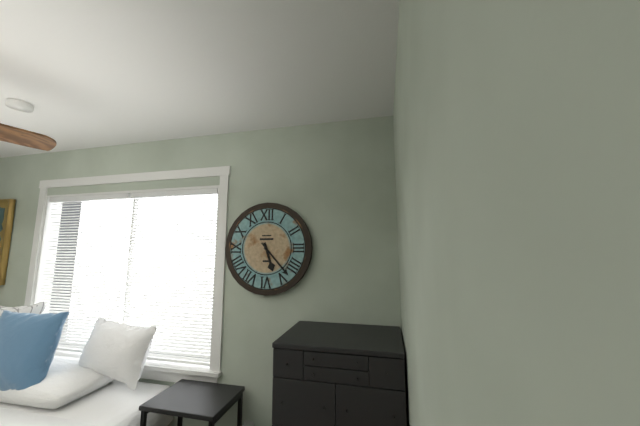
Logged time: 5 h 23 min
